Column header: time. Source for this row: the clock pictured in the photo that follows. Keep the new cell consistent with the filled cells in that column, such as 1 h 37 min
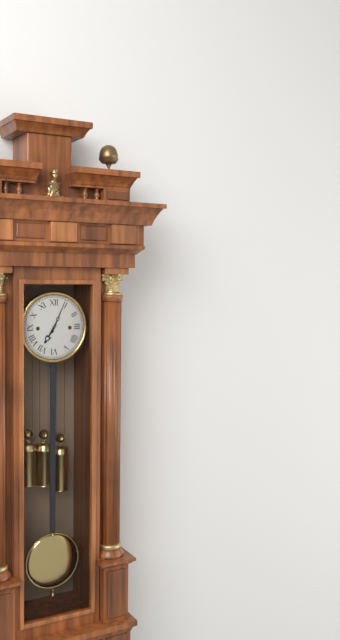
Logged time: 7 h 04 min
